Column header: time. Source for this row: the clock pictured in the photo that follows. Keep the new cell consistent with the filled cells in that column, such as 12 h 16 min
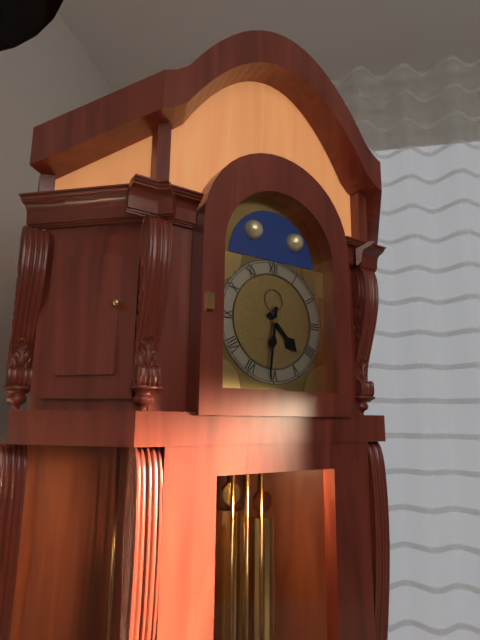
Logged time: 4 h 31 min
